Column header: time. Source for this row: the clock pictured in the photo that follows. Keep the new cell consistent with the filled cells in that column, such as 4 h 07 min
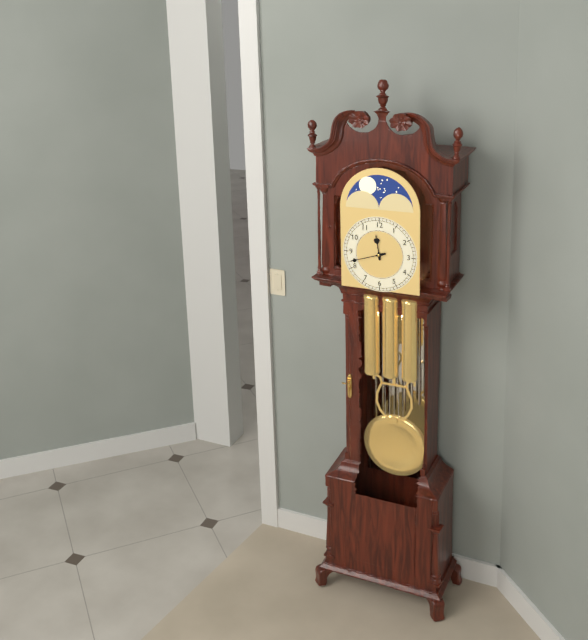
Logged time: 11 h 42 min
